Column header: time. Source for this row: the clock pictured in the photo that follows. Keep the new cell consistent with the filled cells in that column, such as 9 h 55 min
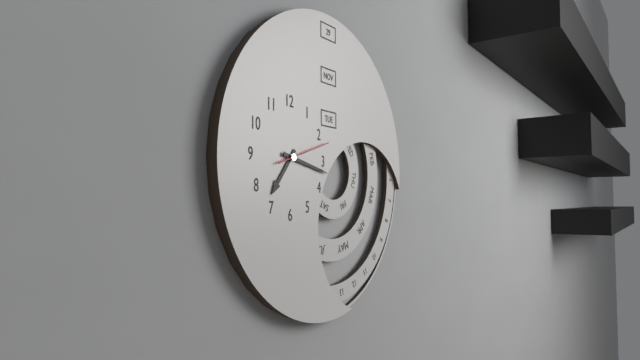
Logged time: 7 h 17 min
